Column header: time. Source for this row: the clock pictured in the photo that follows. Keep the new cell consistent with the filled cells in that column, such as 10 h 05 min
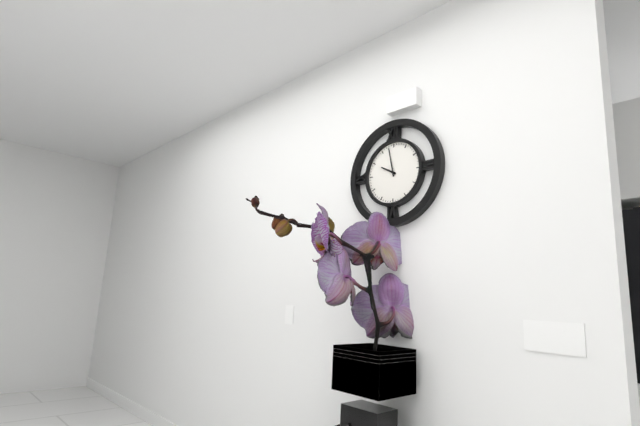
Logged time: 9 h 58 min
